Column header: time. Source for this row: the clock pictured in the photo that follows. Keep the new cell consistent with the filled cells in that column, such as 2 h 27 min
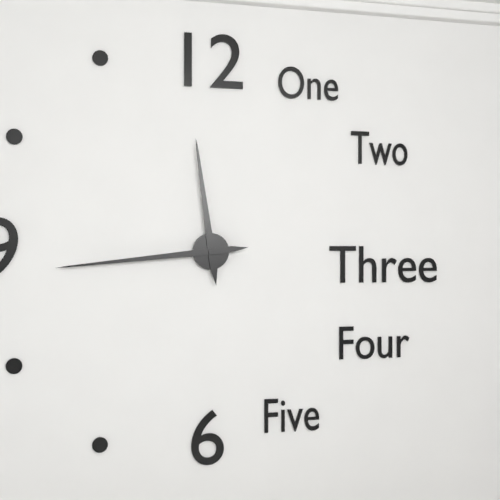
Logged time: 11 h 44 min
